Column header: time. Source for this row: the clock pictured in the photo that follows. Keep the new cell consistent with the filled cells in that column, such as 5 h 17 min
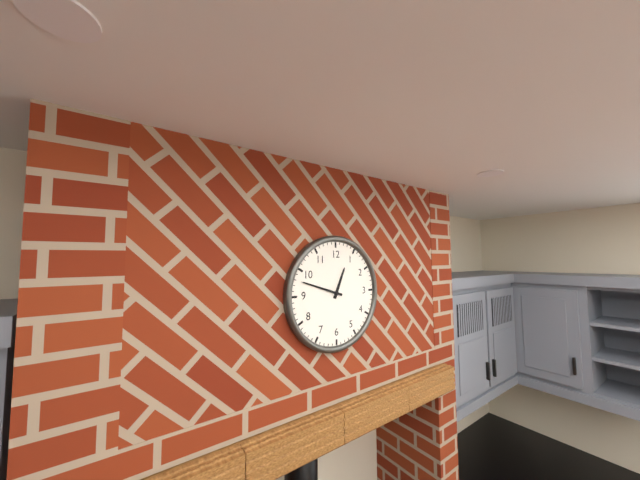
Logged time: 12 h 48 min
